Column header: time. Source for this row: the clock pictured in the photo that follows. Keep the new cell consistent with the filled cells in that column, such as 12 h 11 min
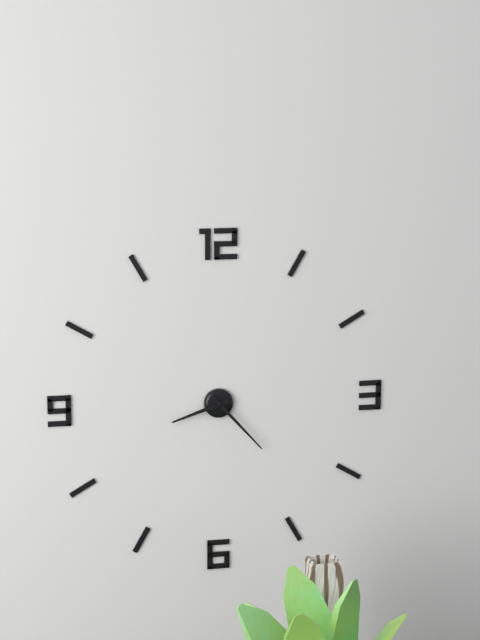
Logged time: 8 h 23 min
